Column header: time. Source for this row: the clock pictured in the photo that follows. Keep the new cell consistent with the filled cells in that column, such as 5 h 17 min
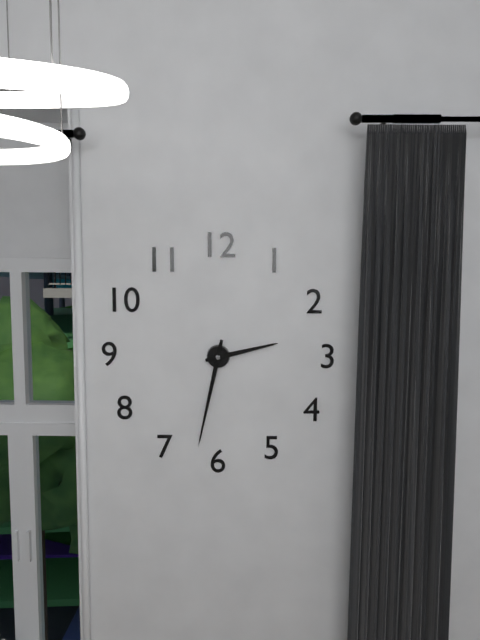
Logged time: 2 h 32 min
